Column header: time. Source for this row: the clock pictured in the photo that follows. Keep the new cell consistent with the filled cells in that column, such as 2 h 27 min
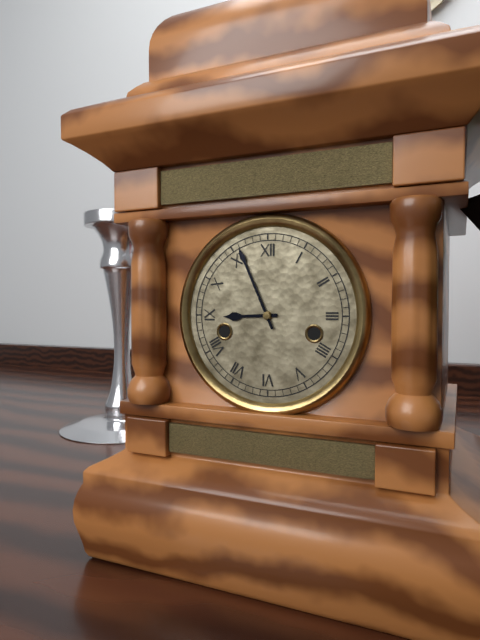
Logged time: 8 h 56 min
